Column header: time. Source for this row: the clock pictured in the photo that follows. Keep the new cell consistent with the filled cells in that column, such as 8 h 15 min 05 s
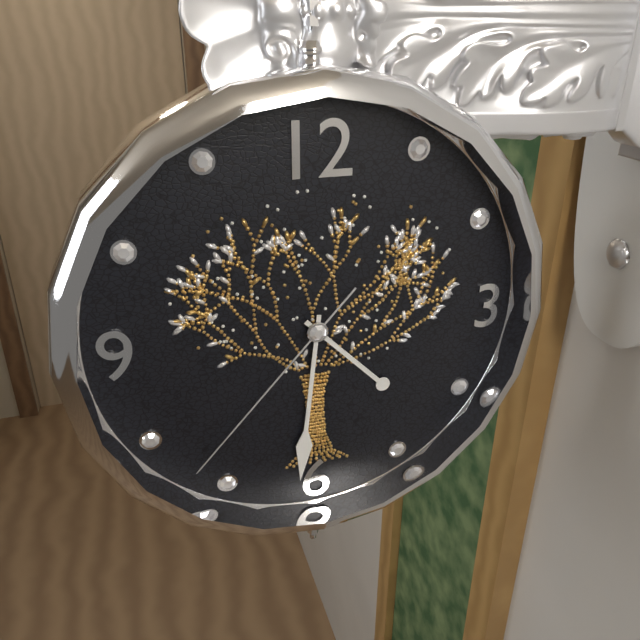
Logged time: 4 h 31 min 37 s
